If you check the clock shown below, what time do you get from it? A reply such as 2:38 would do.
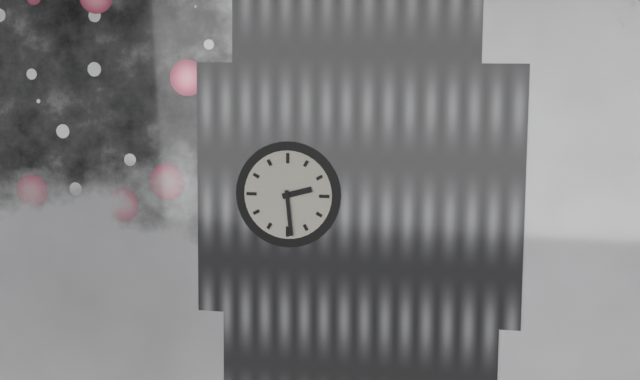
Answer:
2:29
